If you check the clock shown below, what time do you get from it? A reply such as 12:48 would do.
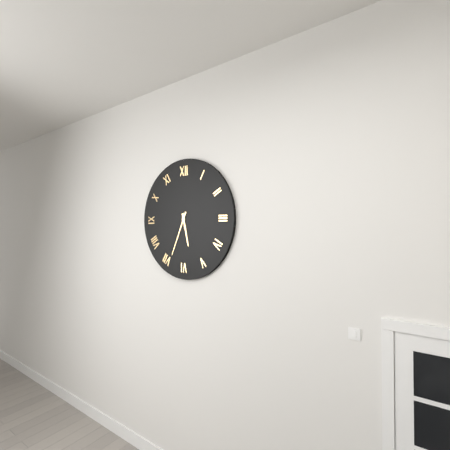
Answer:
5:34
